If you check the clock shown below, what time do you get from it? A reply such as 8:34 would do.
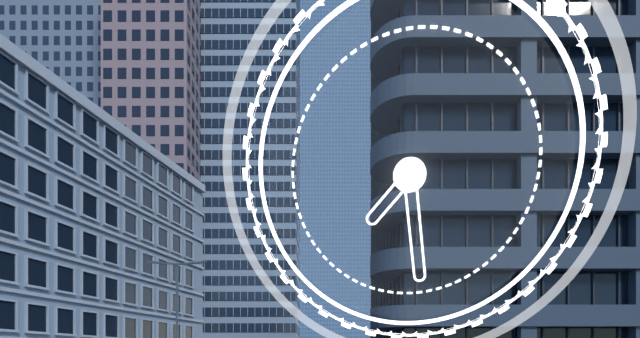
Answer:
7:29
